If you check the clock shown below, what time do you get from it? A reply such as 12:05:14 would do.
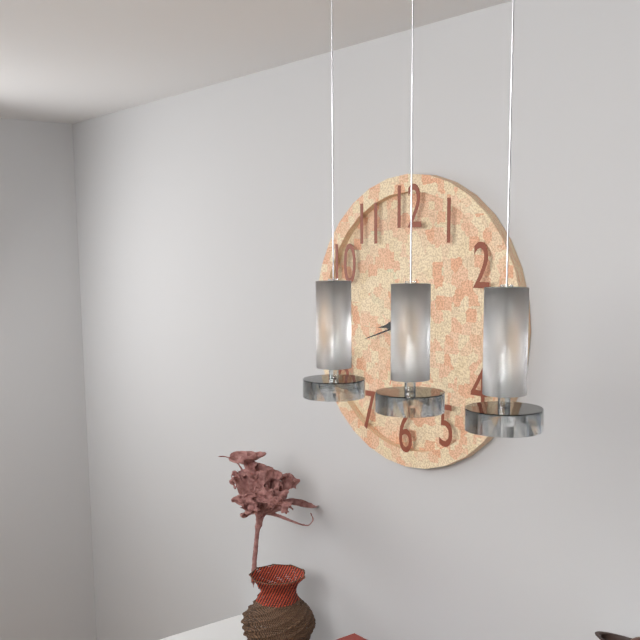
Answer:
8:42:33
